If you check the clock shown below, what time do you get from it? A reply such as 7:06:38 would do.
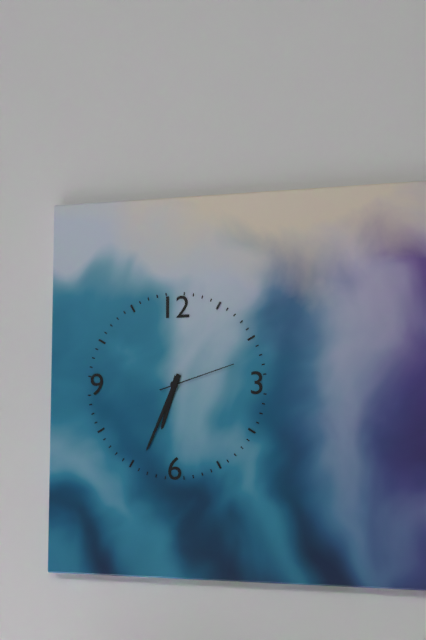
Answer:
6:34:12
